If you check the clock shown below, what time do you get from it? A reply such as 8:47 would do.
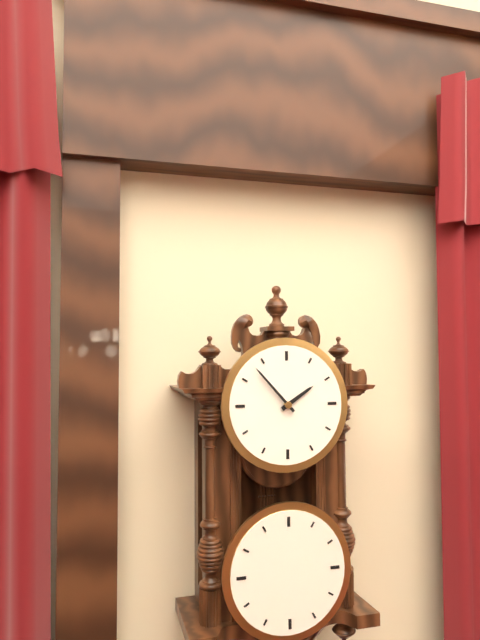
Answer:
1:53
